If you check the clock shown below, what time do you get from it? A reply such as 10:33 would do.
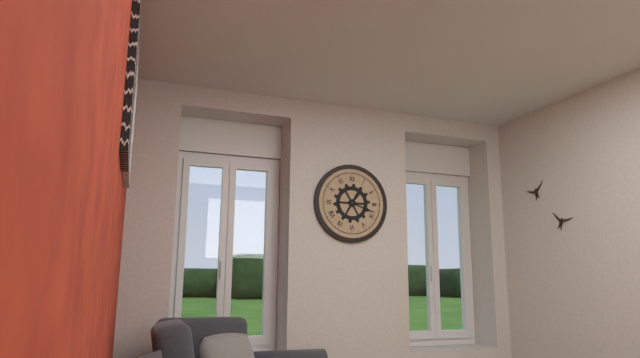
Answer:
1:18
